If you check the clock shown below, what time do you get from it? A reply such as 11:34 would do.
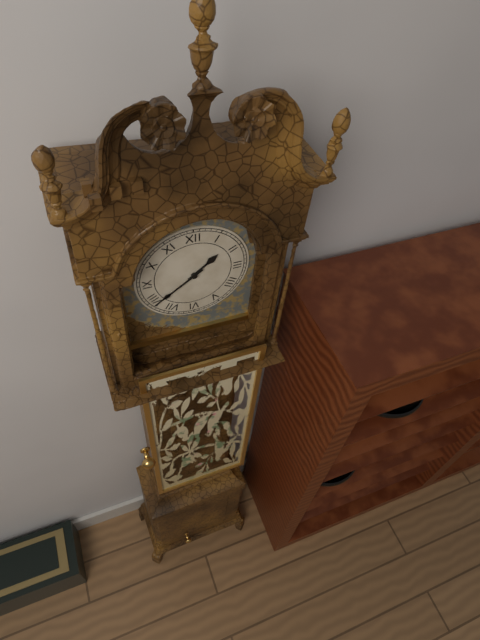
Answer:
1:39
